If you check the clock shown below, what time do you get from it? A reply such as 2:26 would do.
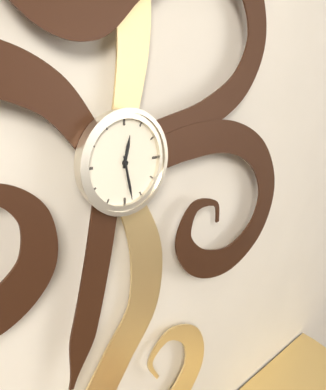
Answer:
12:28
